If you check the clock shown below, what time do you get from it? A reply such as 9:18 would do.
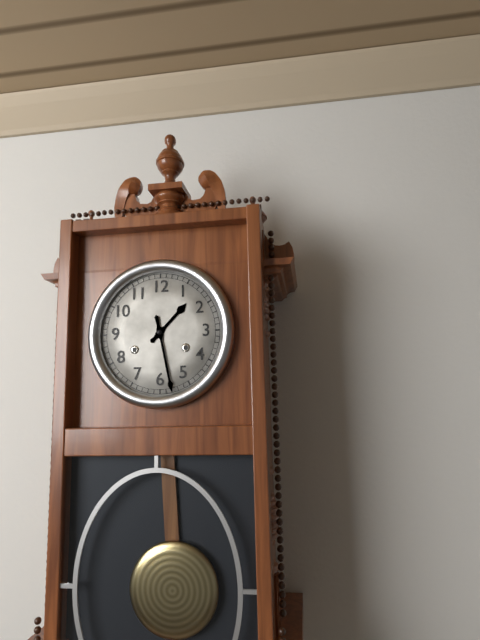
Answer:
1:28
